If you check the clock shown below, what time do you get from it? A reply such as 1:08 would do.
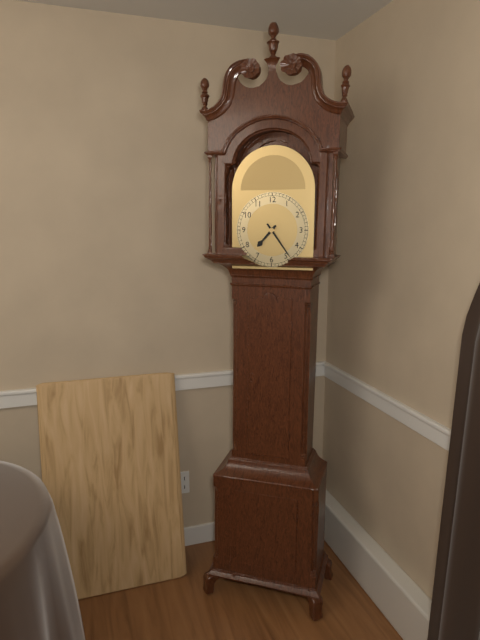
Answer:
7:24
